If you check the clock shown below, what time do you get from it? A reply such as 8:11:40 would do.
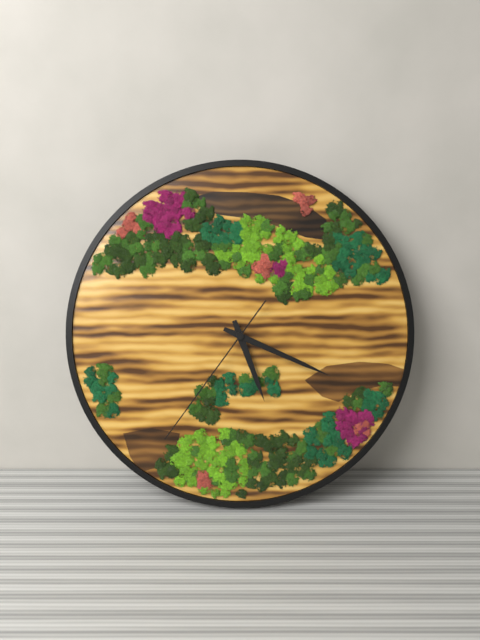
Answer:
5:19:36
